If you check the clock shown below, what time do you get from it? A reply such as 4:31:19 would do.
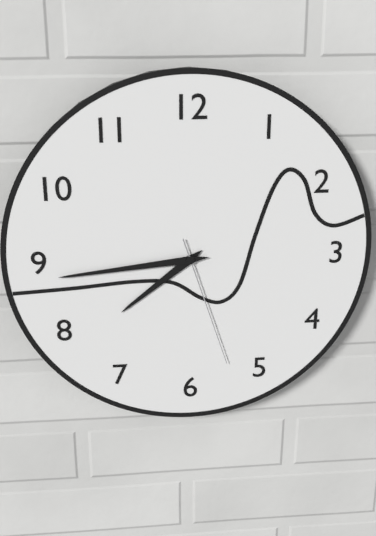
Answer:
7:44:27
